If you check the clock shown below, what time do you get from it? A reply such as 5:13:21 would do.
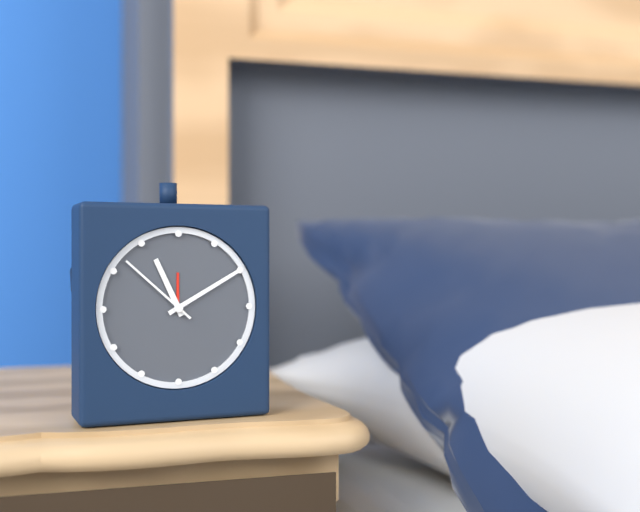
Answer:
11:10:52
